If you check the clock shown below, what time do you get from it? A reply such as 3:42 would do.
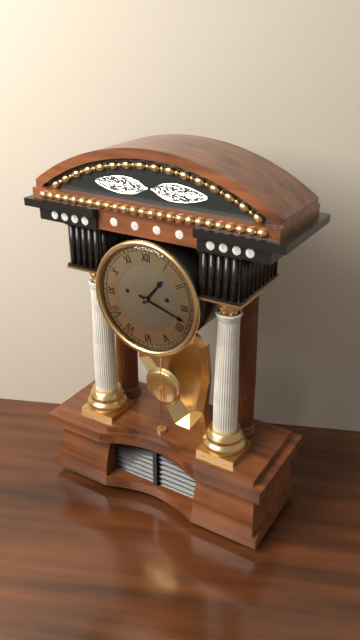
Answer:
1:18
